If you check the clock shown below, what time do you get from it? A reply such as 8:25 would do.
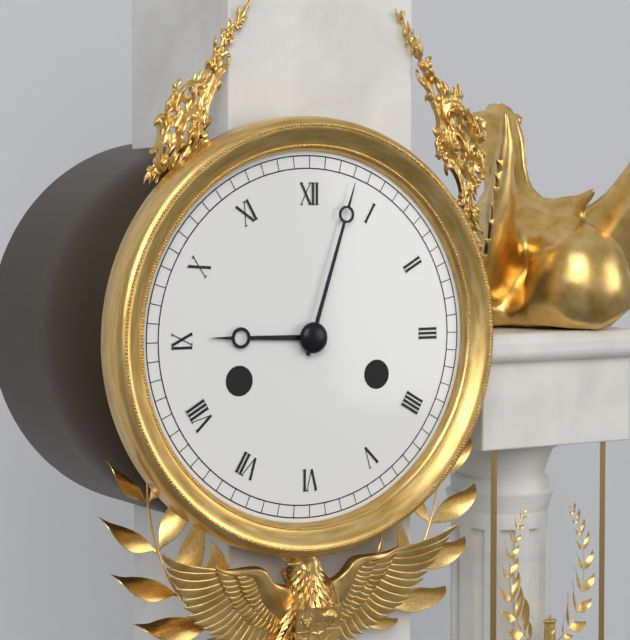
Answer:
9:03
